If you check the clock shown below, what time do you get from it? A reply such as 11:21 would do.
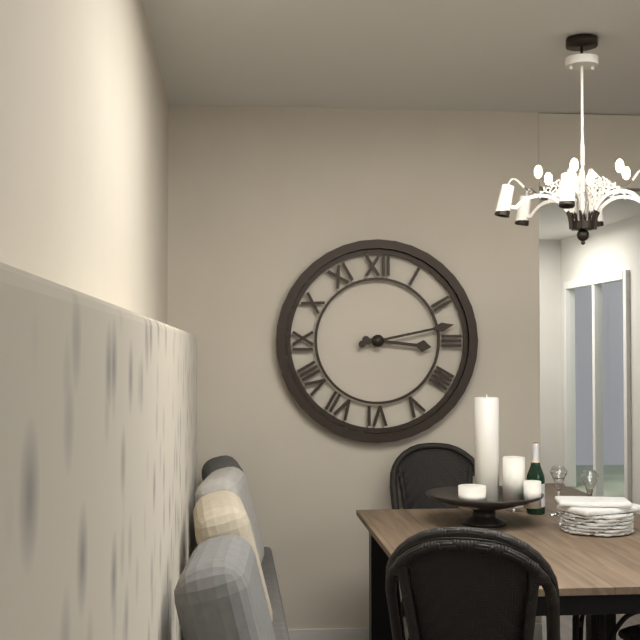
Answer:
3:13
